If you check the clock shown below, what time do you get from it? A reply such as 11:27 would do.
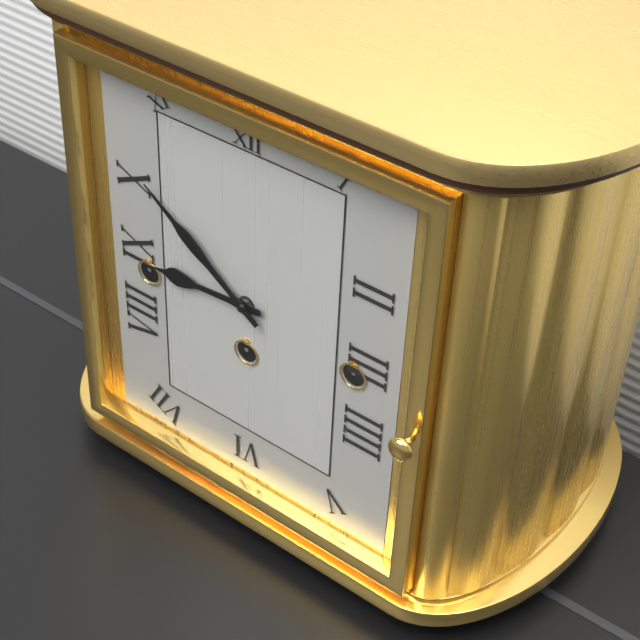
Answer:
8:51
